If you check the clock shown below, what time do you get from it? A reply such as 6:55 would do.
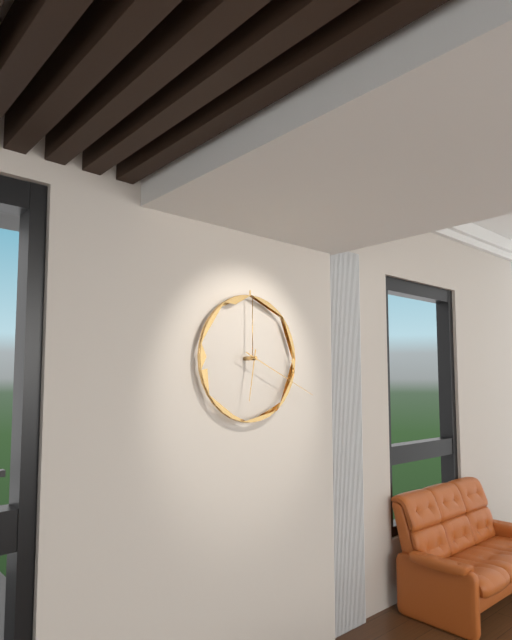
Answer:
6:19
